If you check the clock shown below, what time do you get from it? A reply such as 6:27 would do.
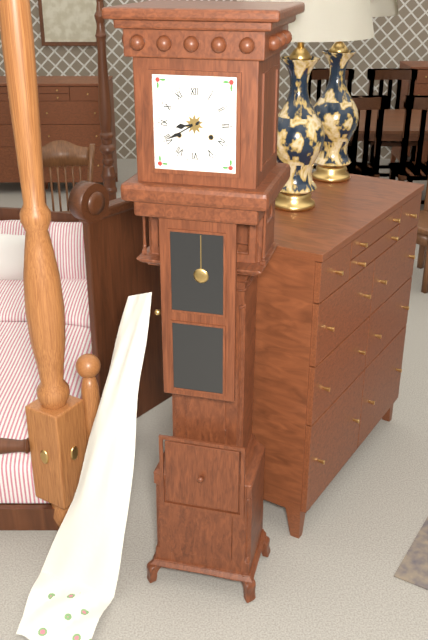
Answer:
8:40
